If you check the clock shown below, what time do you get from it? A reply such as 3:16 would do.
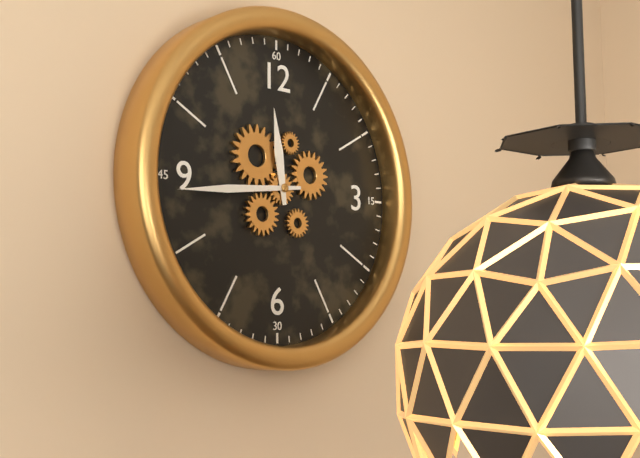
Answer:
11:44
